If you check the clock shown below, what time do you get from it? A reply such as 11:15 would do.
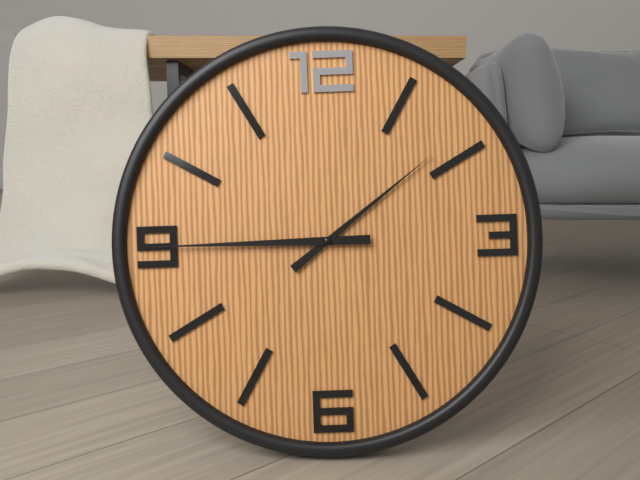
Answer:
1:45
